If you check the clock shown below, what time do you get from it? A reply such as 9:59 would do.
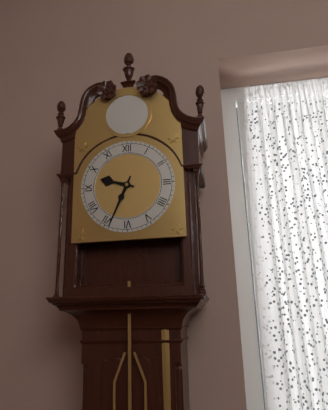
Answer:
9:34
